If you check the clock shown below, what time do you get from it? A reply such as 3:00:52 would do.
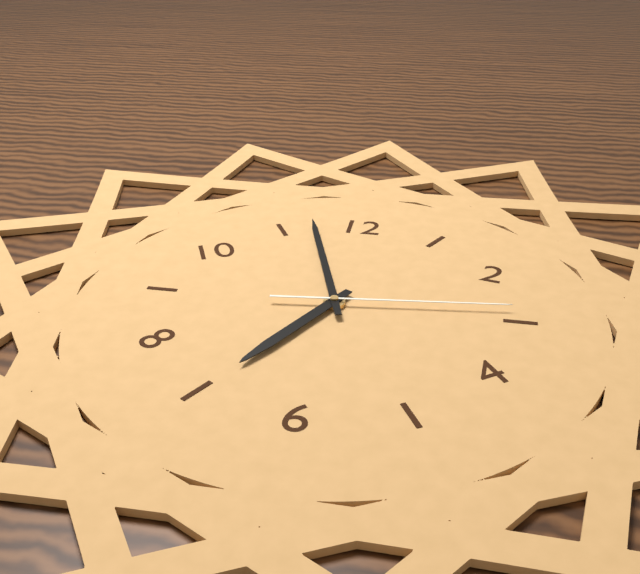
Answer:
6:57:14
